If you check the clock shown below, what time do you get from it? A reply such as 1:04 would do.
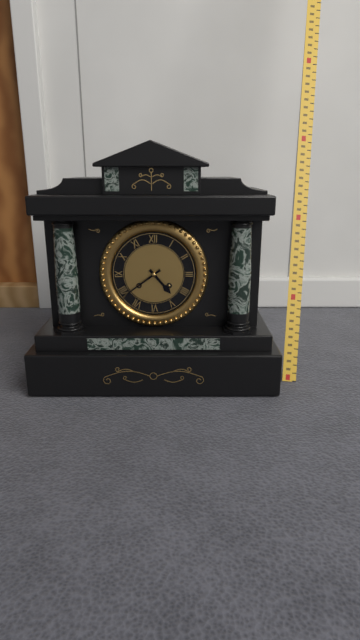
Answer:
4:39
